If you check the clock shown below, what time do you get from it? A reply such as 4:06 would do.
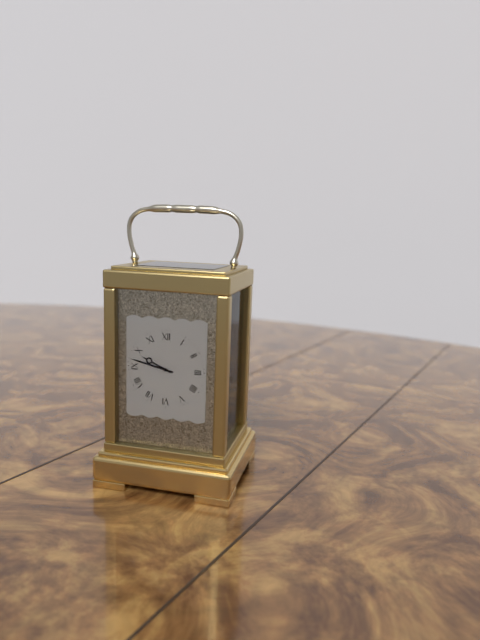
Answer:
9:47
